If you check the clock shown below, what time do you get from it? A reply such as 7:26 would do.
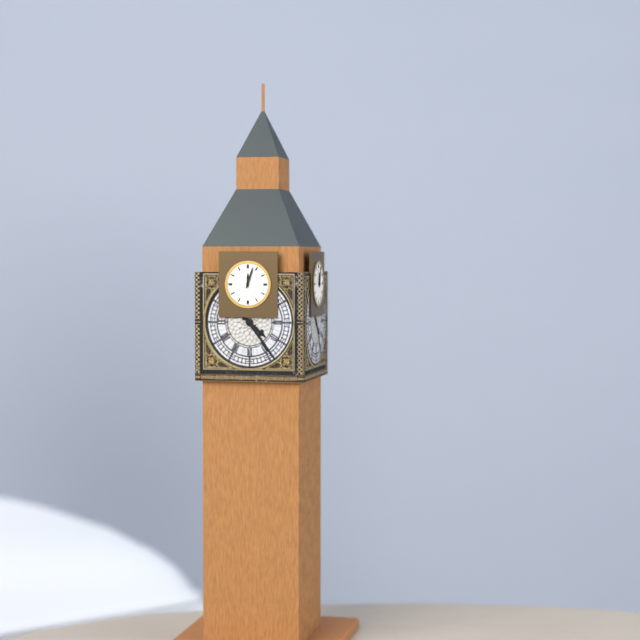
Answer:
12:03
